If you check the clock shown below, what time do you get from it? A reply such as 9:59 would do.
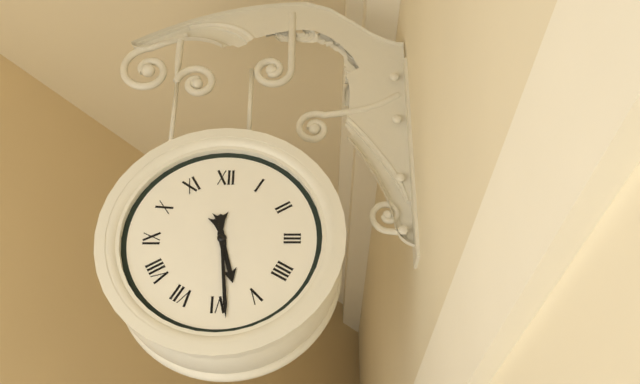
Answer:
5:29
